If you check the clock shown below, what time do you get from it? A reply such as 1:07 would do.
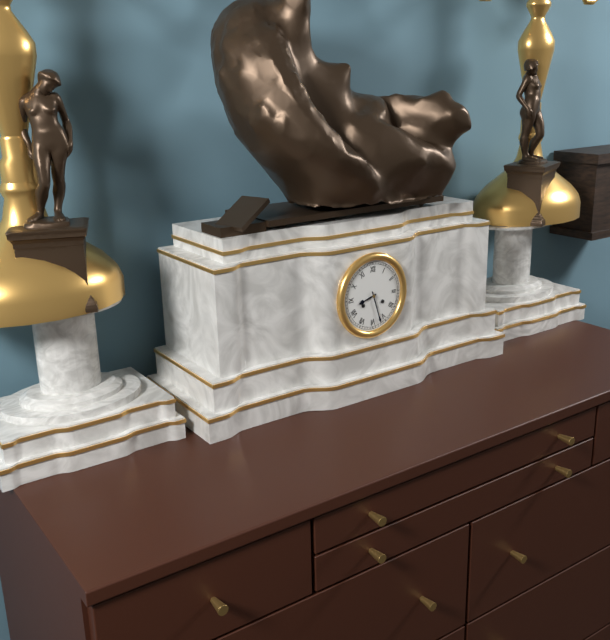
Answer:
8:27
